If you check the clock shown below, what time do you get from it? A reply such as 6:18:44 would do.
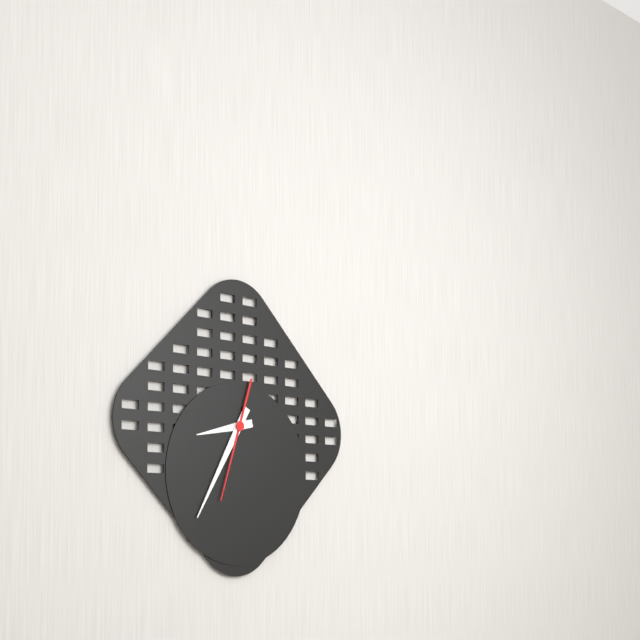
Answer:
8:35:33
